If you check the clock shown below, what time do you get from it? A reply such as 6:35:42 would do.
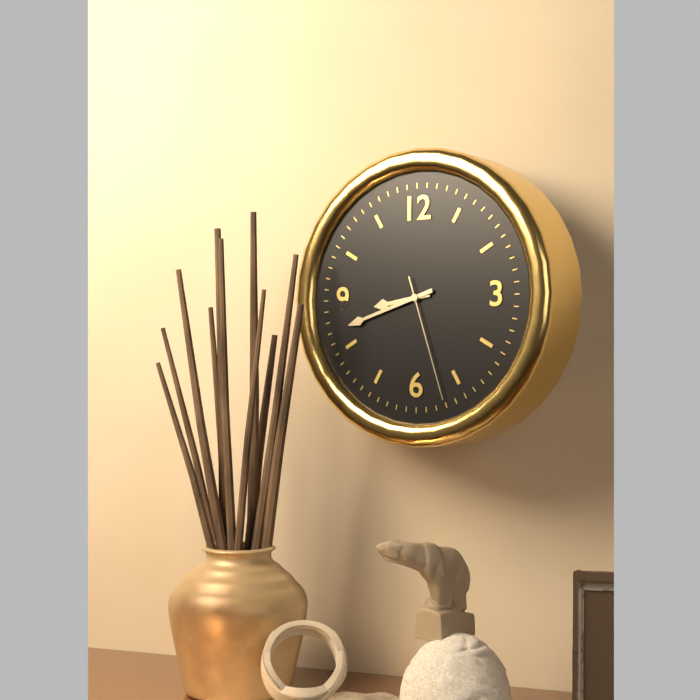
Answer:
8:42:27
